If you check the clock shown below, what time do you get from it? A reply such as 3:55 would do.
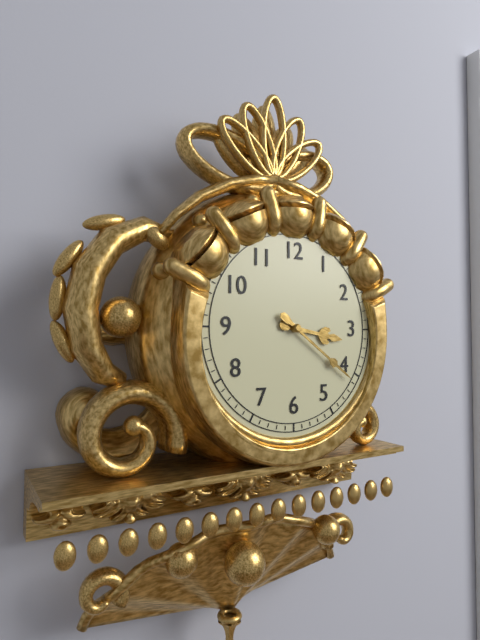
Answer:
3:21
